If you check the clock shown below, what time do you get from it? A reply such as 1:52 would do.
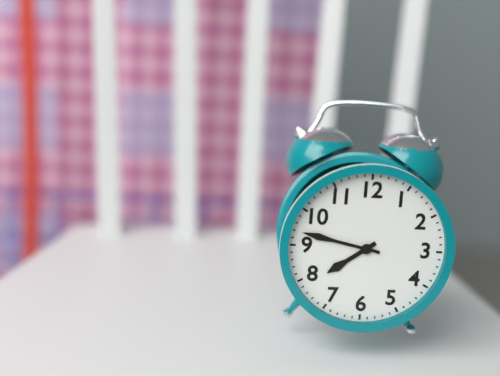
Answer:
7:47
